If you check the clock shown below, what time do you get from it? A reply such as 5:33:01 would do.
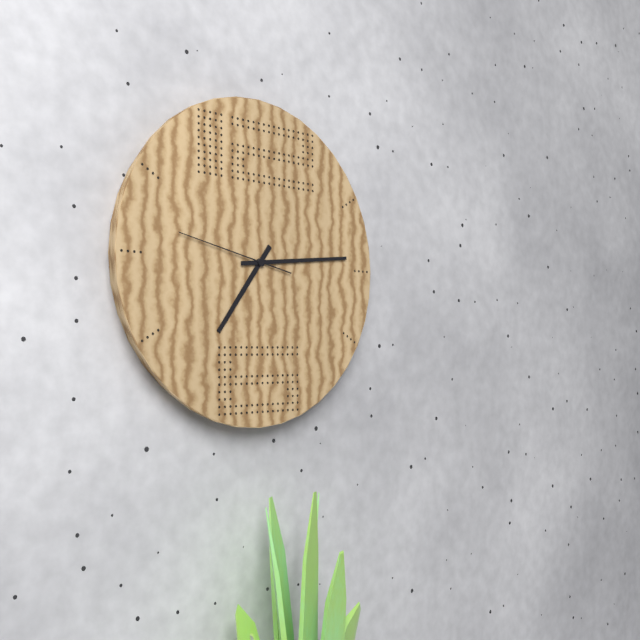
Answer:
7:14:47
